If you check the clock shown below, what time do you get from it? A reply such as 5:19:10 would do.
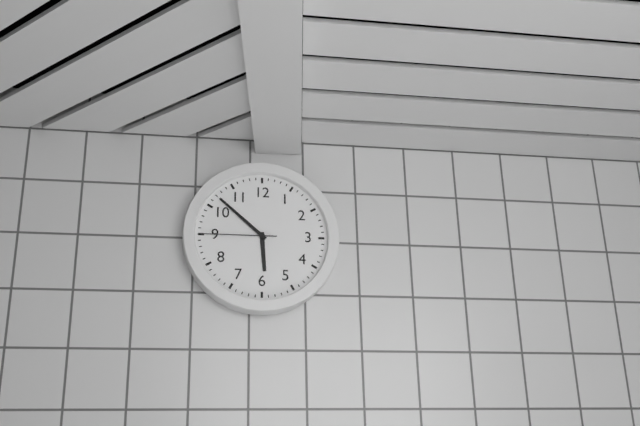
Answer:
5:52:45
